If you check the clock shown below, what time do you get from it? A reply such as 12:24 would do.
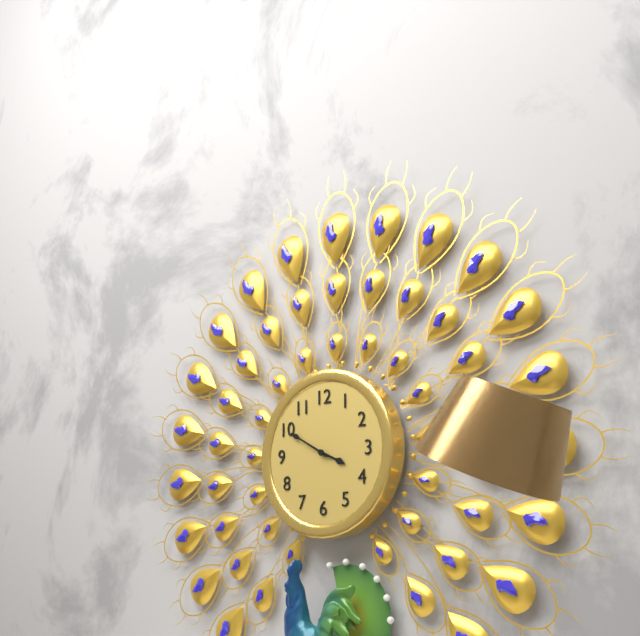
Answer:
3:50
